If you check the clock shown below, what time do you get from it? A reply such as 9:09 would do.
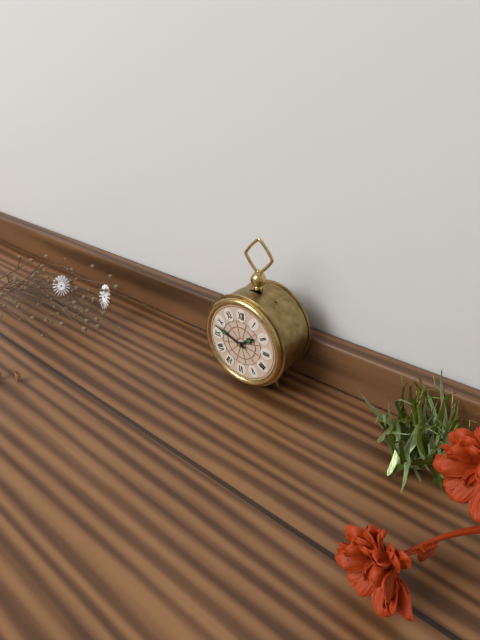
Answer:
1:48
